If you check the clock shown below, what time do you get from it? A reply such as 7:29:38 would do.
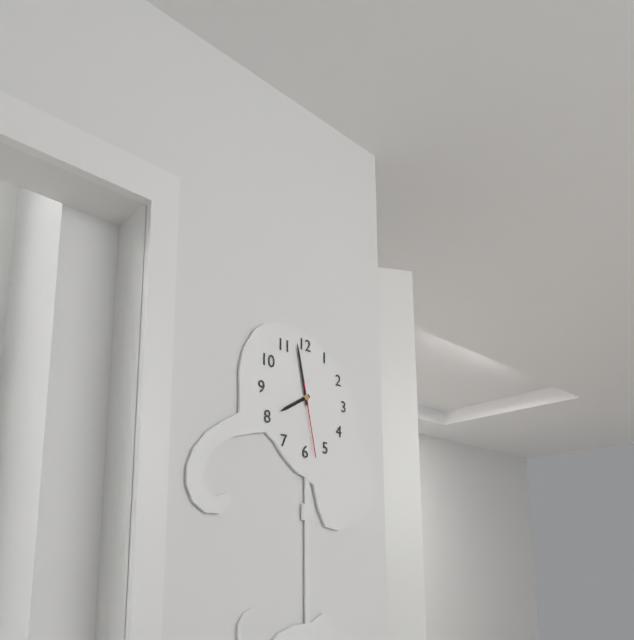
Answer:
7:58:28
